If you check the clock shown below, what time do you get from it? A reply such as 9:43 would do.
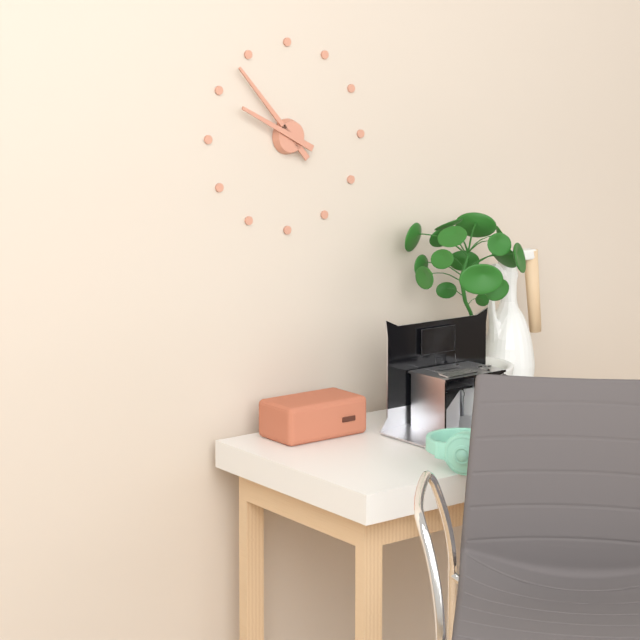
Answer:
9:53
